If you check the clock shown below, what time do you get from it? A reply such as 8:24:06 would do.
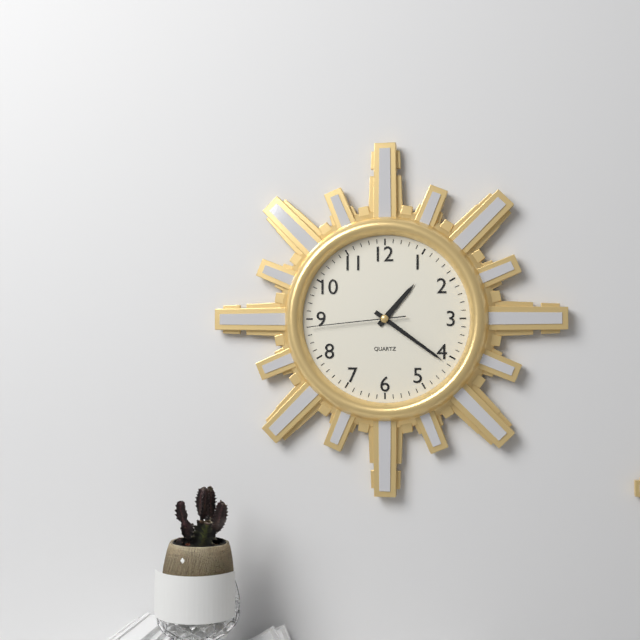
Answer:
1:21:44
